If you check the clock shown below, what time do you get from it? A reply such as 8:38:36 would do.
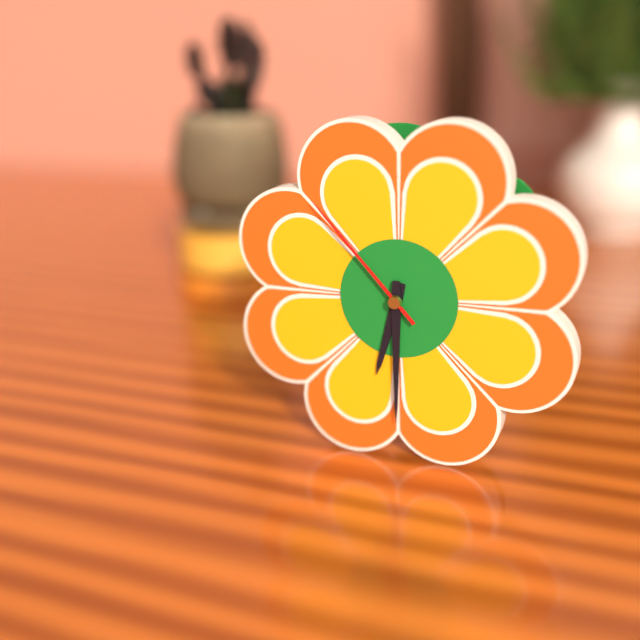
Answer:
6:30:53
